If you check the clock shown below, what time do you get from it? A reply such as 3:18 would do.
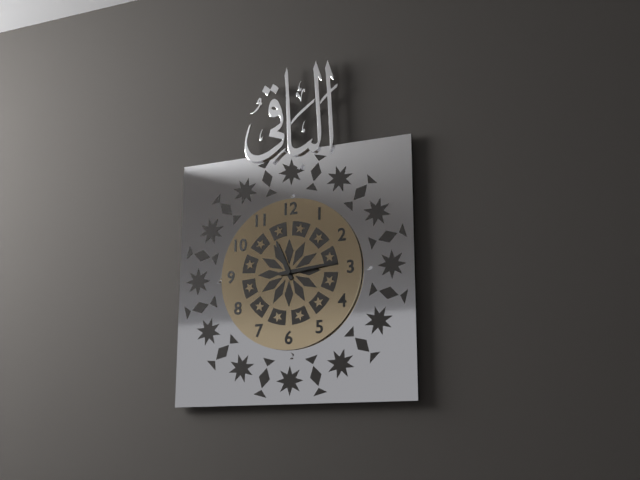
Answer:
11:14
